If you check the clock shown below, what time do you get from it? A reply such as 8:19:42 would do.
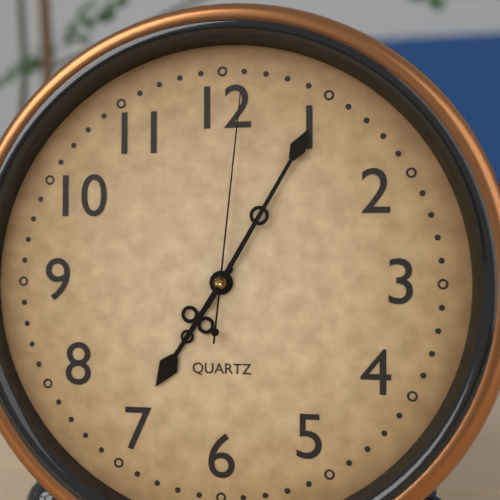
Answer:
7:05:01
